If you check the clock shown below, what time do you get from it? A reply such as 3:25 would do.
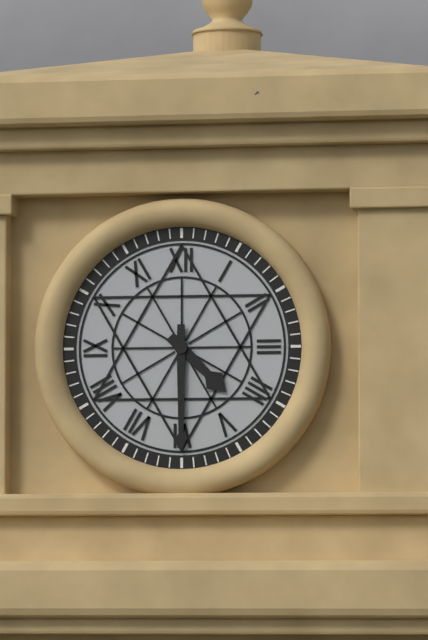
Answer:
4:30
